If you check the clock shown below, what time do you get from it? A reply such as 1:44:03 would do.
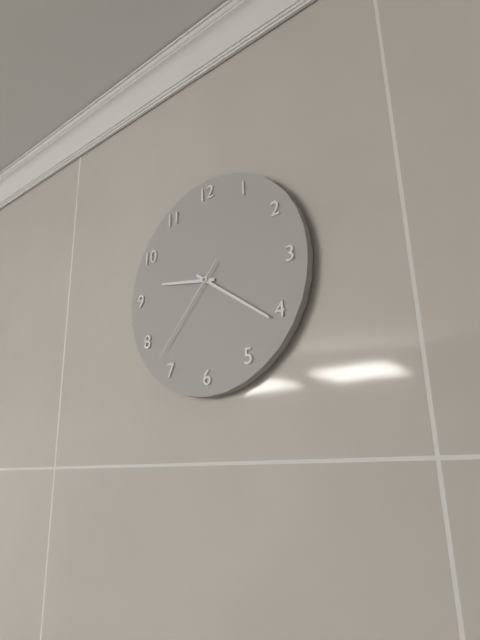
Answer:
9:21:37
